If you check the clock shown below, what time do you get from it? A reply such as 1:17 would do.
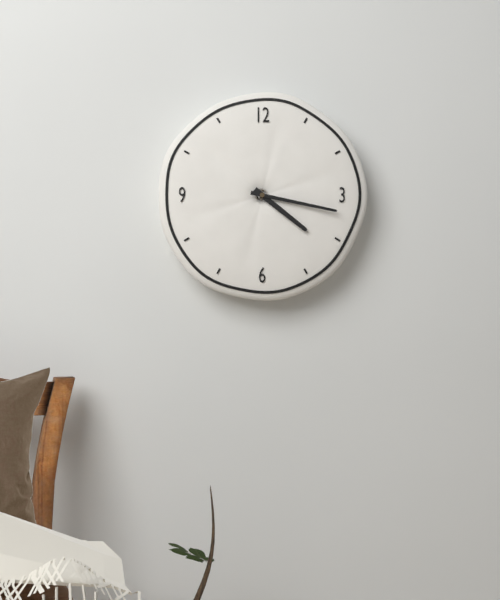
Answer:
4:17
